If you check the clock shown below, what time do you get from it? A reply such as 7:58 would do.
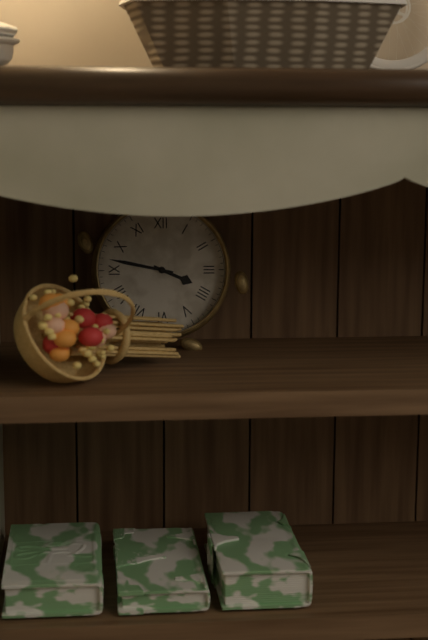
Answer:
3:47
